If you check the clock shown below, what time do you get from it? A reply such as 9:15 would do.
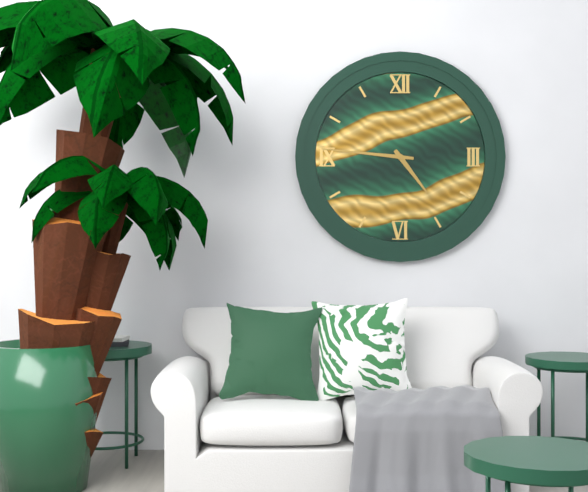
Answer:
4:46
